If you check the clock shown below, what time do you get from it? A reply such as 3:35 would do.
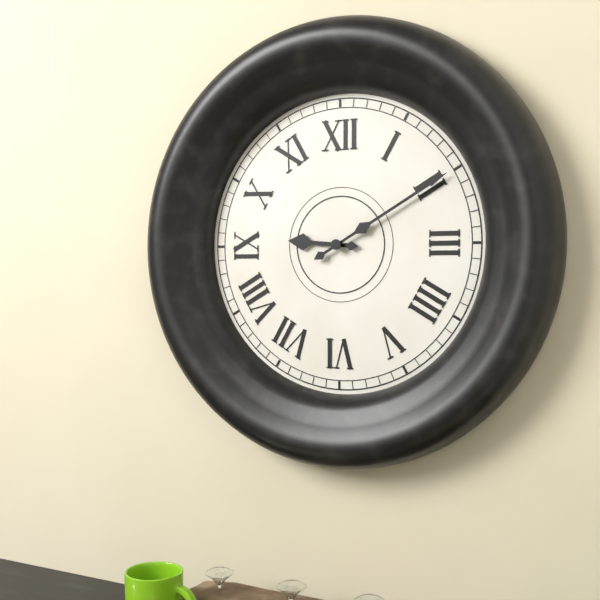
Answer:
9:10
